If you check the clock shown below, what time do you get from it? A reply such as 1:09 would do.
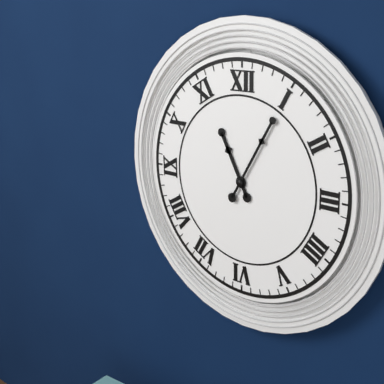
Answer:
11:05
